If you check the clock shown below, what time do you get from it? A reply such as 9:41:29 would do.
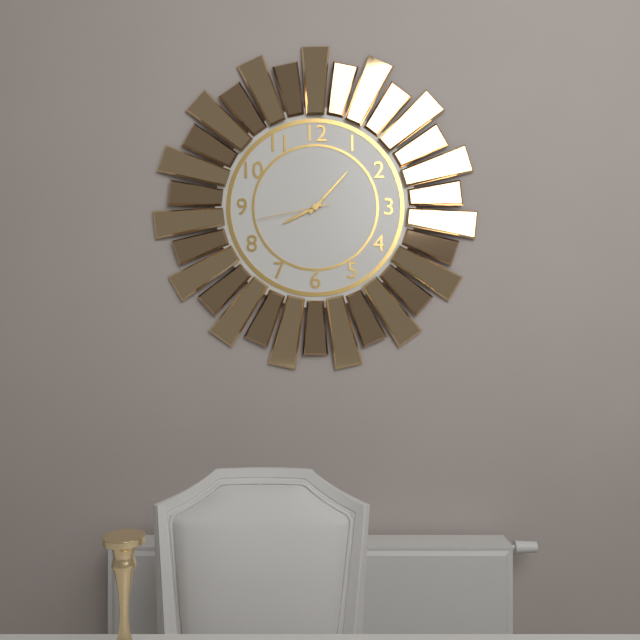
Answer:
8:07:43
